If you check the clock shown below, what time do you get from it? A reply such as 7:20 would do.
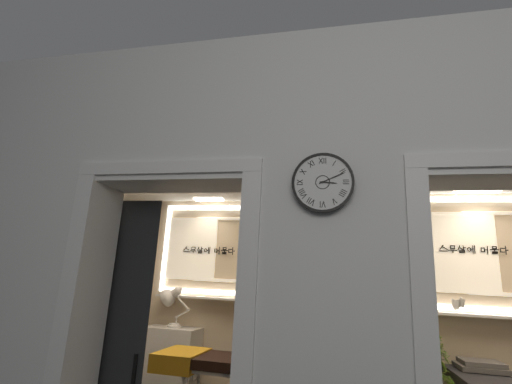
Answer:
3:11
